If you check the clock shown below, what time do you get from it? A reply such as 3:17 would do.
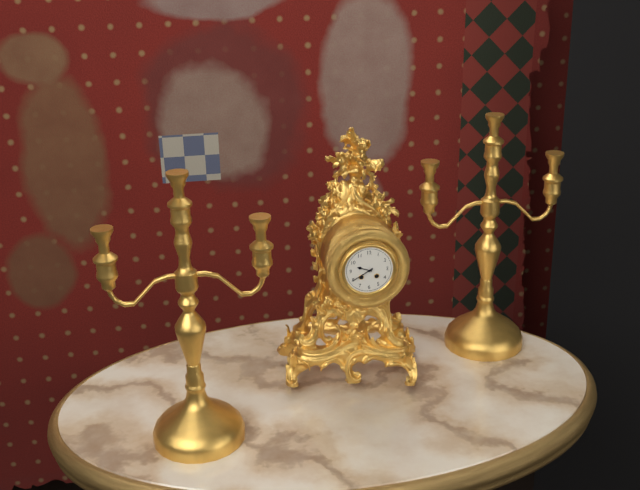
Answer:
9:40
